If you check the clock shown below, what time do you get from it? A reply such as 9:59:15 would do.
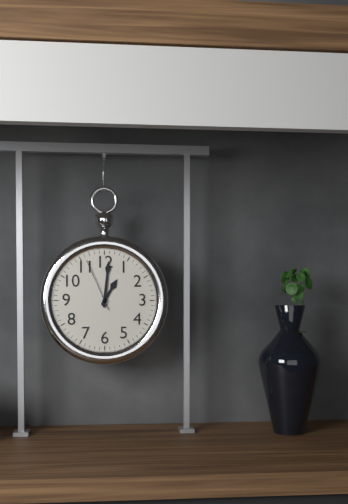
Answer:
1:01:56
